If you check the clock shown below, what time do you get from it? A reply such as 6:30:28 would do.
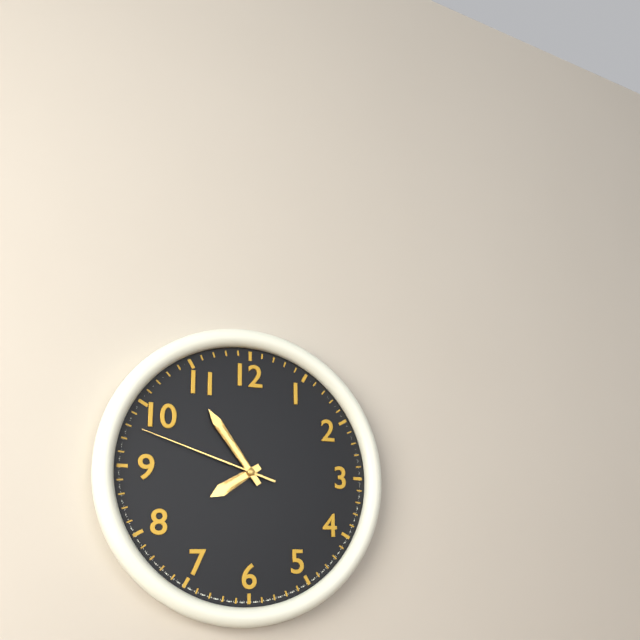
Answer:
7:54:48
